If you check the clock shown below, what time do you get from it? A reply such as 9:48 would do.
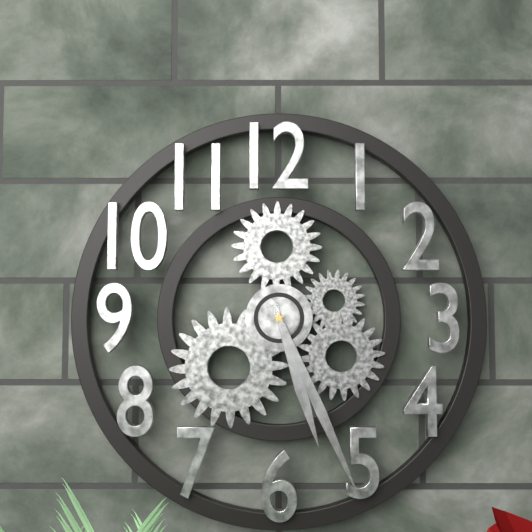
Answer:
5:26
